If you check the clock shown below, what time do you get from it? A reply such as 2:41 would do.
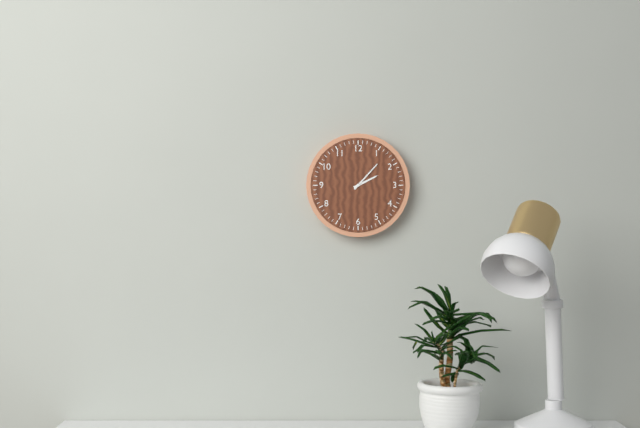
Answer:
2:07
